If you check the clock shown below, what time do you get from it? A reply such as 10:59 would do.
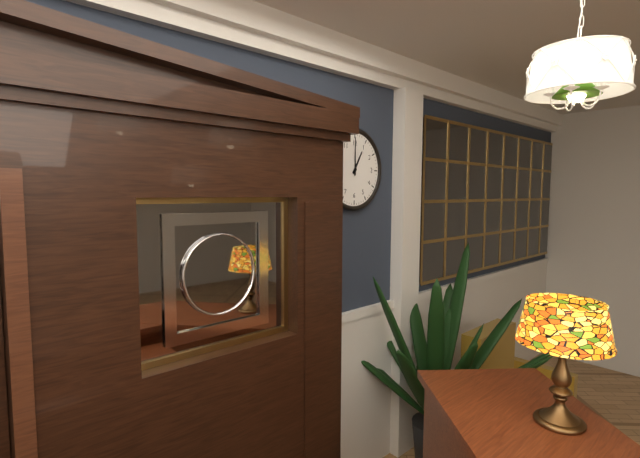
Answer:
1:00
